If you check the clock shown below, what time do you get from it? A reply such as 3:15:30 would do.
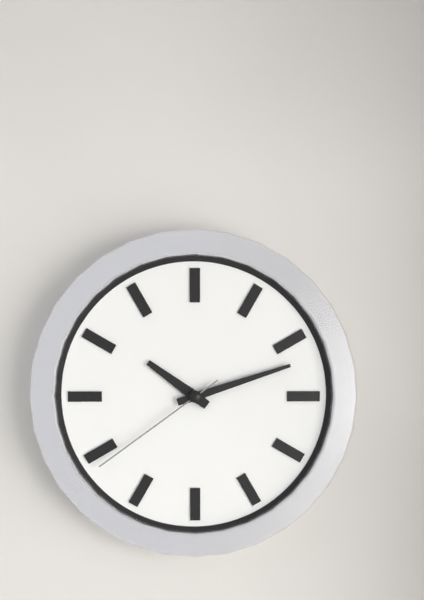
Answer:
10:12:39
